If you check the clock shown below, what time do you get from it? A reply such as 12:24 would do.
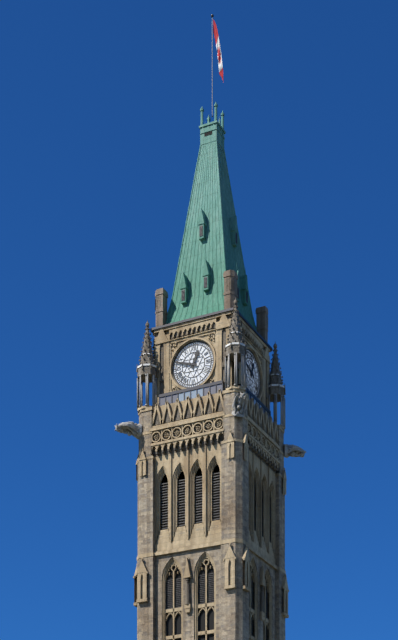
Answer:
12:48
